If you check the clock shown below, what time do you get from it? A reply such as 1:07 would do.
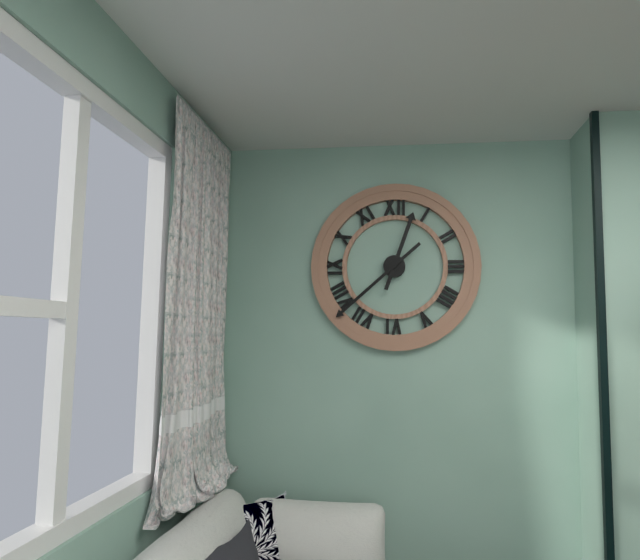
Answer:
12:38
